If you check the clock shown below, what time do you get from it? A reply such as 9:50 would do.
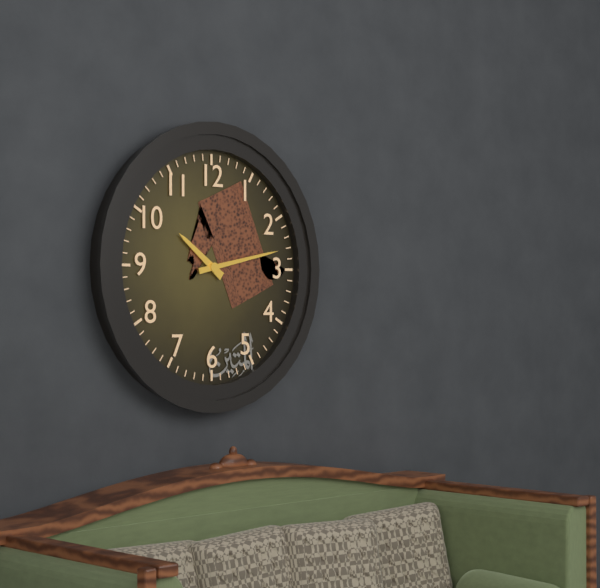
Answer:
10:13
